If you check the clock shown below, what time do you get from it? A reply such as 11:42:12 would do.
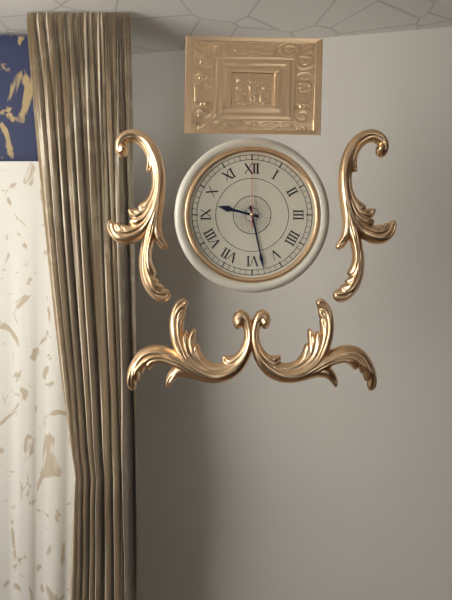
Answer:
9:28:00
